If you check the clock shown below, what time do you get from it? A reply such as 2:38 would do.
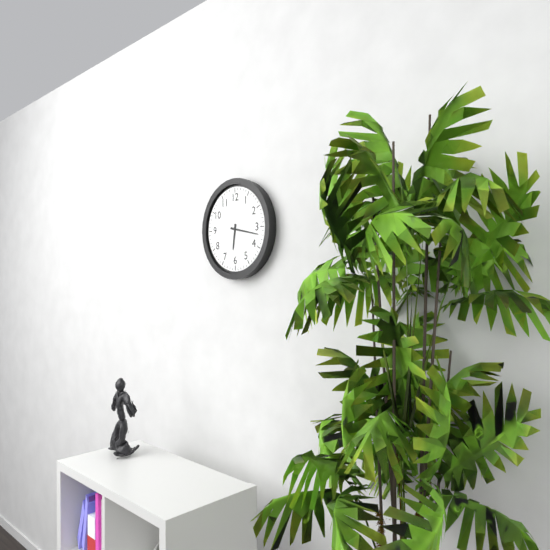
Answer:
6:17
